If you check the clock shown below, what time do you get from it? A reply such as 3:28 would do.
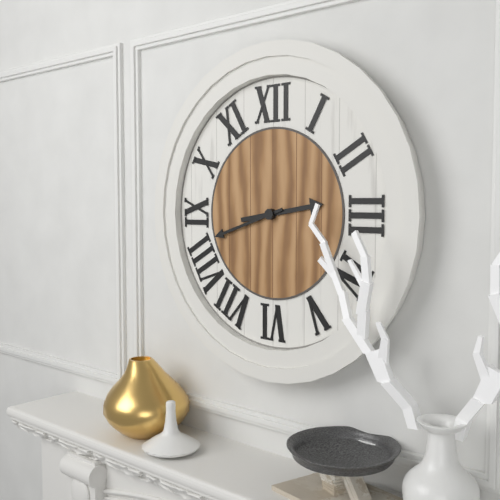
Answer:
2:42
